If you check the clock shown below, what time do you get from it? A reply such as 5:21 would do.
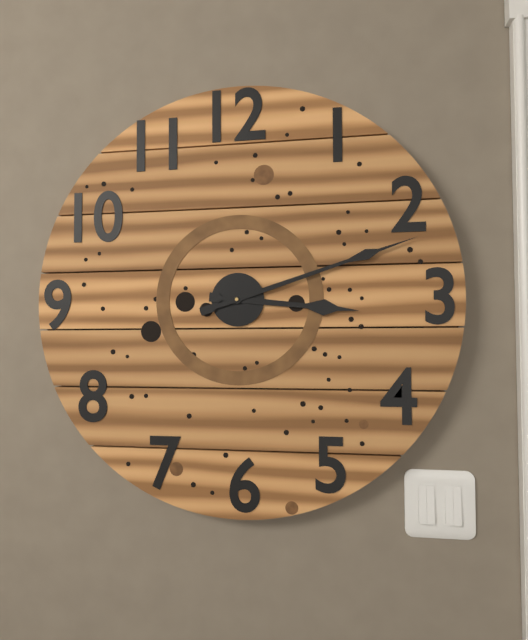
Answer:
3:12
